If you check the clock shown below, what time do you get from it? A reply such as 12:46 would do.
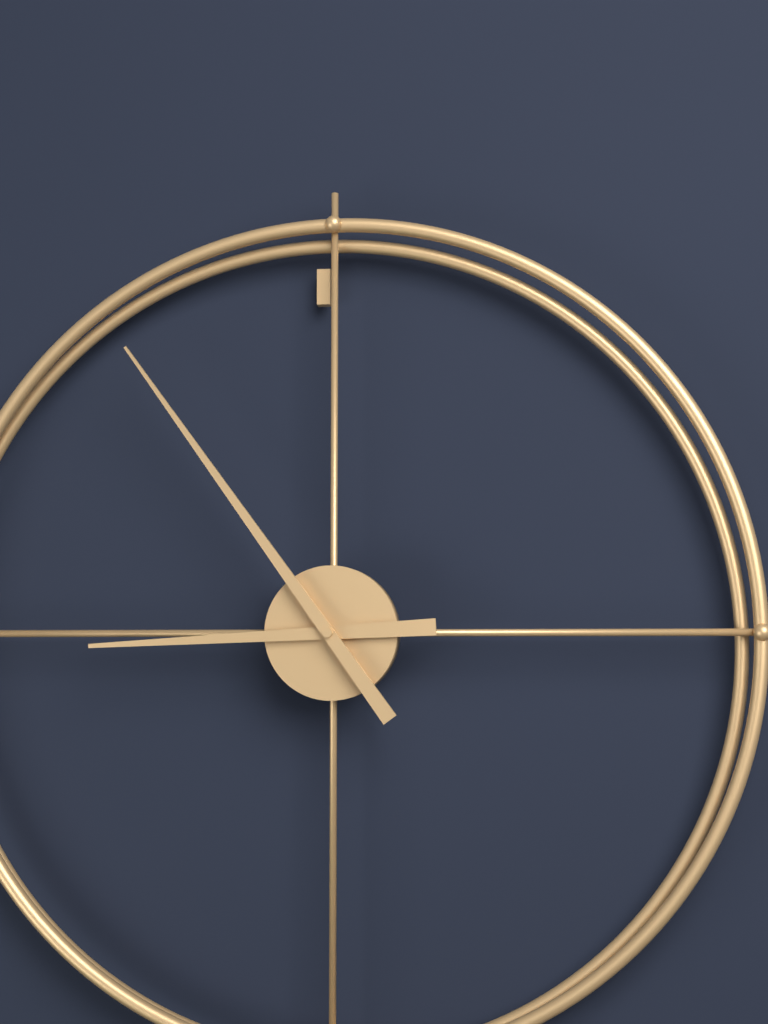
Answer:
8:54
